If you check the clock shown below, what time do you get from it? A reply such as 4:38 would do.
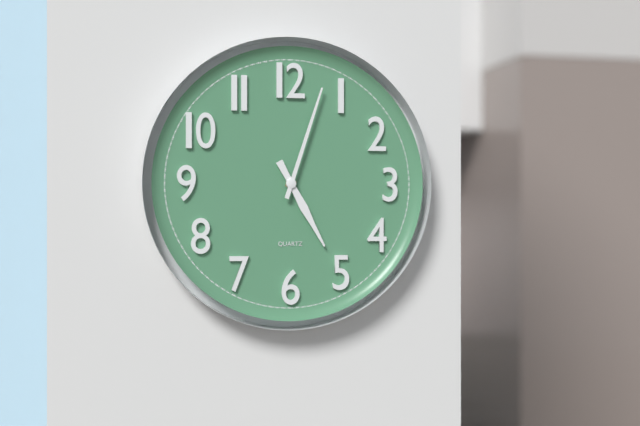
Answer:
5:03
